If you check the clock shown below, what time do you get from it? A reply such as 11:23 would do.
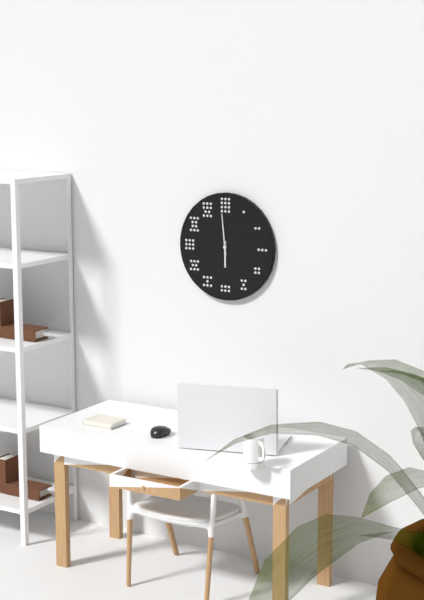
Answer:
5:59
